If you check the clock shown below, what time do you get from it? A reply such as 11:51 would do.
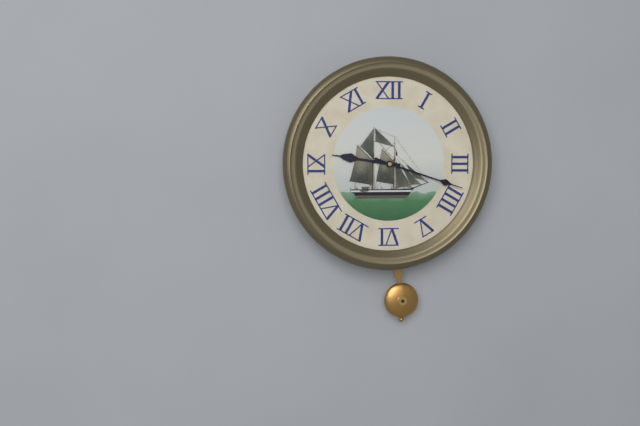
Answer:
9:18
